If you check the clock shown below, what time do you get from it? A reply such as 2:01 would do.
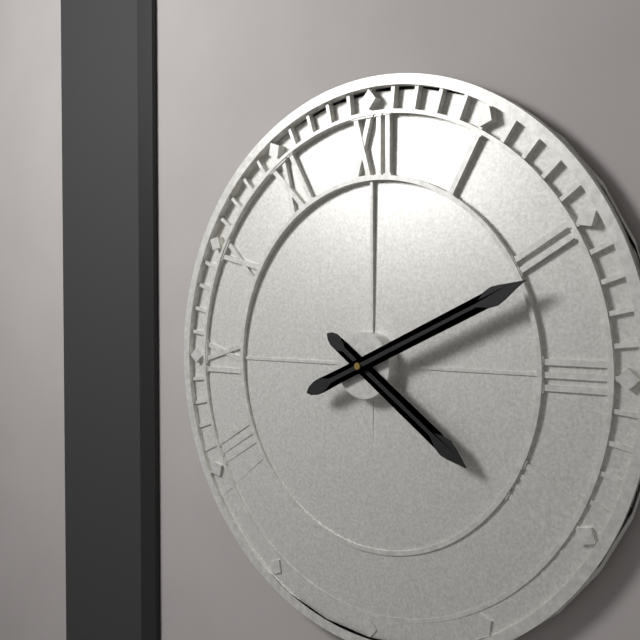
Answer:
4:11
